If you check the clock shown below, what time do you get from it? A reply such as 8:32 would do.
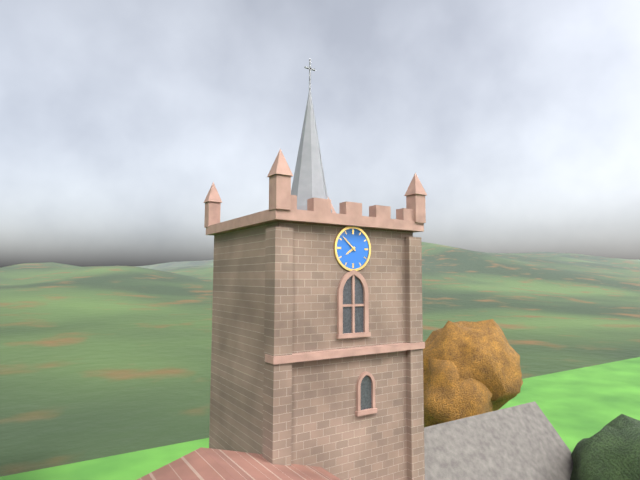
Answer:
7:52
